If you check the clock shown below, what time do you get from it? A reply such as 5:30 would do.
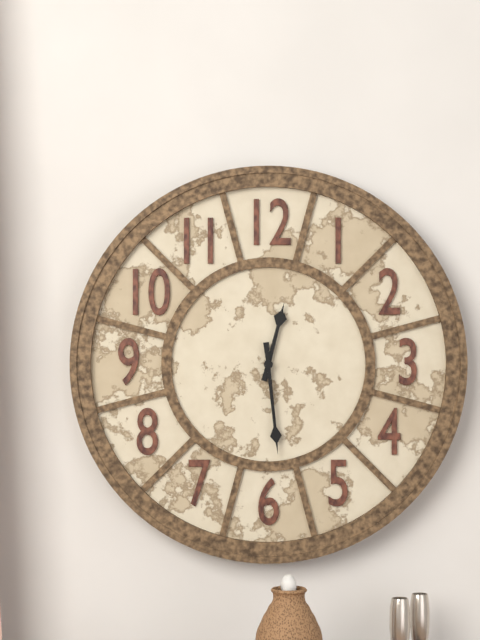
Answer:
12:29
